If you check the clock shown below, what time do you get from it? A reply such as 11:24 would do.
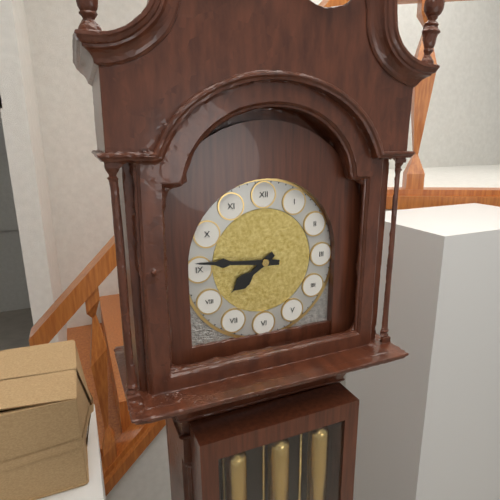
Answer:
7:46
